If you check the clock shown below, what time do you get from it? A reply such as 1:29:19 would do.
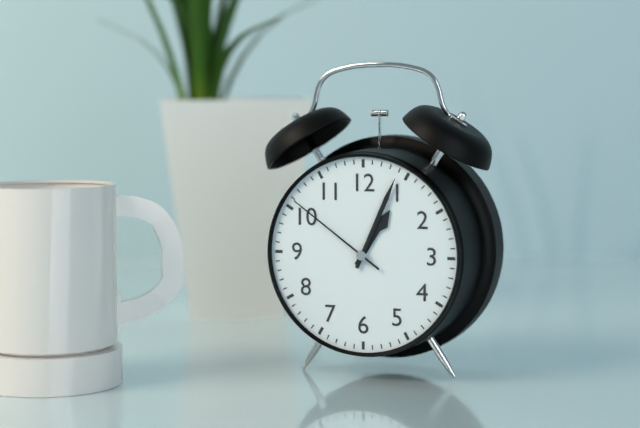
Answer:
1:04:51
